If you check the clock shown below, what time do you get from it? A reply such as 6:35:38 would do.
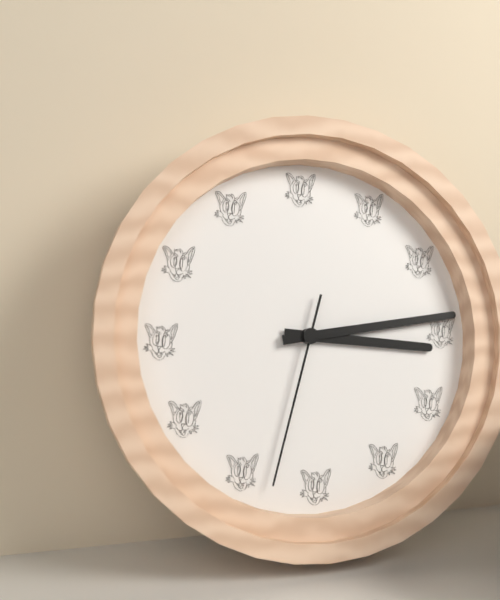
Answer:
3:14:33
